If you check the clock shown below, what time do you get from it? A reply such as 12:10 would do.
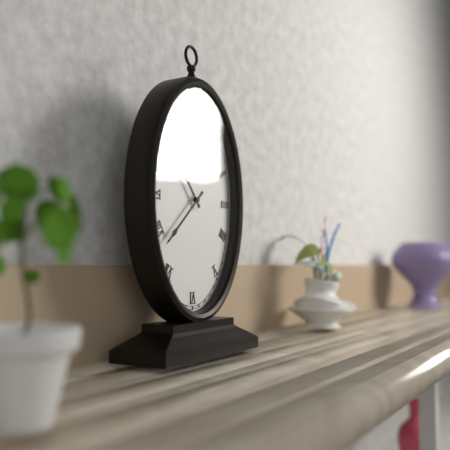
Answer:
10:38
